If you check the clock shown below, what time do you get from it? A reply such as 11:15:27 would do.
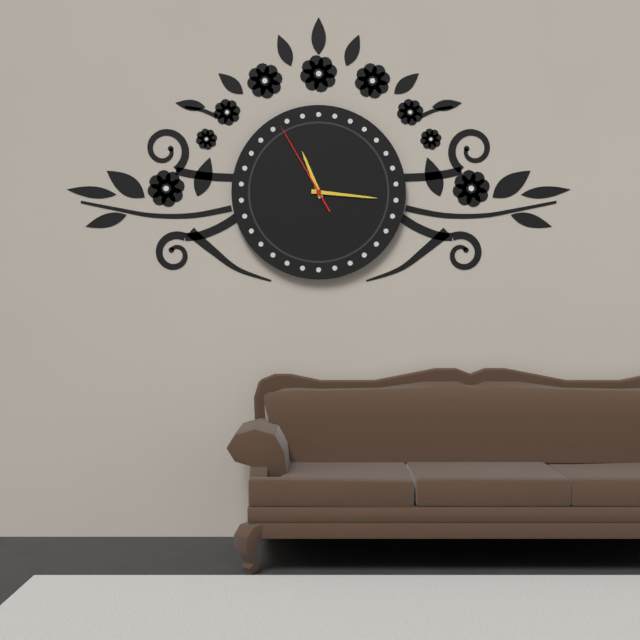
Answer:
11:16:55
